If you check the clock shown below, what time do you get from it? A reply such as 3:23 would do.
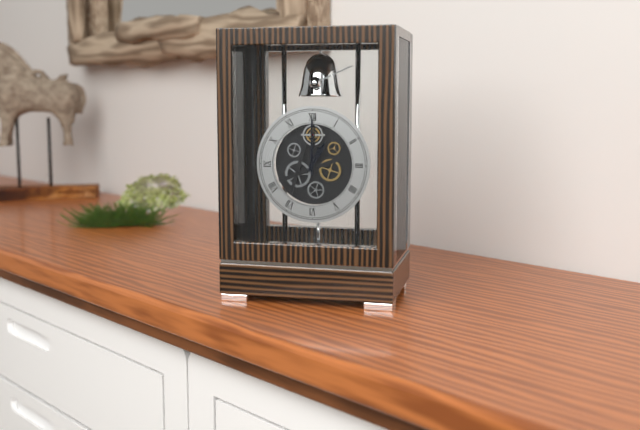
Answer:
1:00
